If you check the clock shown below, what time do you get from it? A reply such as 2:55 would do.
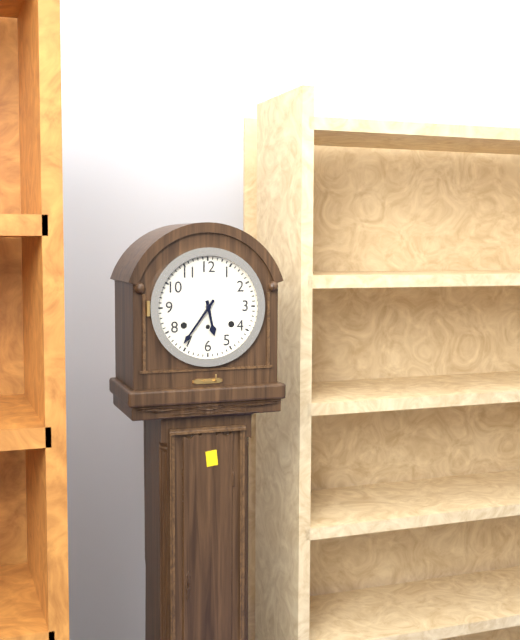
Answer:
5:36
